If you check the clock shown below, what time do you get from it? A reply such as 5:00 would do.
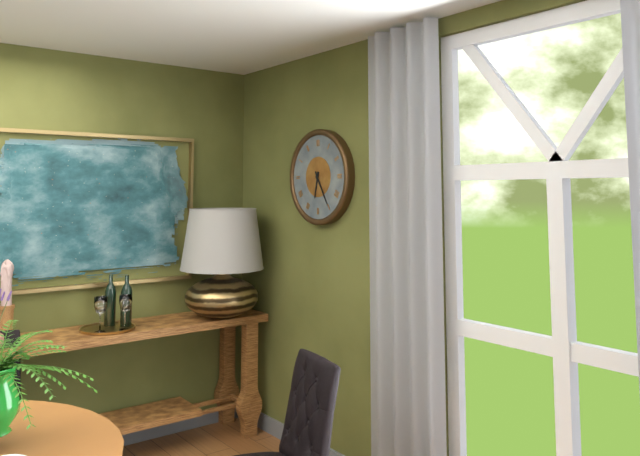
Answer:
6:25
